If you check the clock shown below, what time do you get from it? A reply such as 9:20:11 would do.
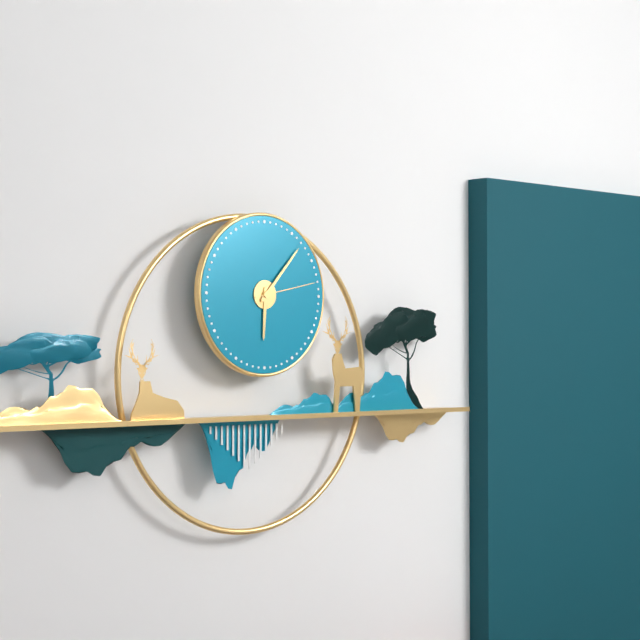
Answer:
6:07:13
